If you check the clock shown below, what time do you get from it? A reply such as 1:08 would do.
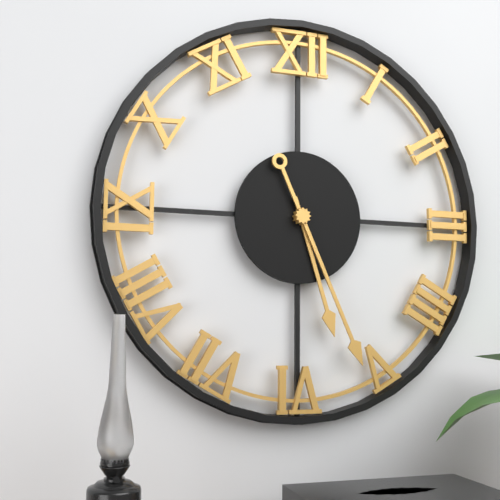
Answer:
5:26
